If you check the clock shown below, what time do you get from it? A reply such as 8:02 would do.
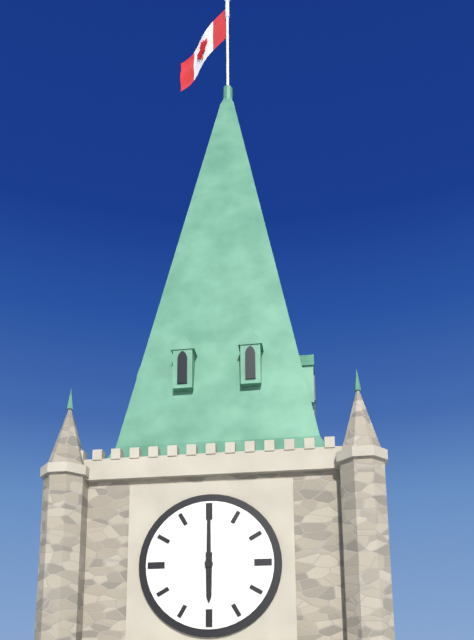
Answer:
6:00
